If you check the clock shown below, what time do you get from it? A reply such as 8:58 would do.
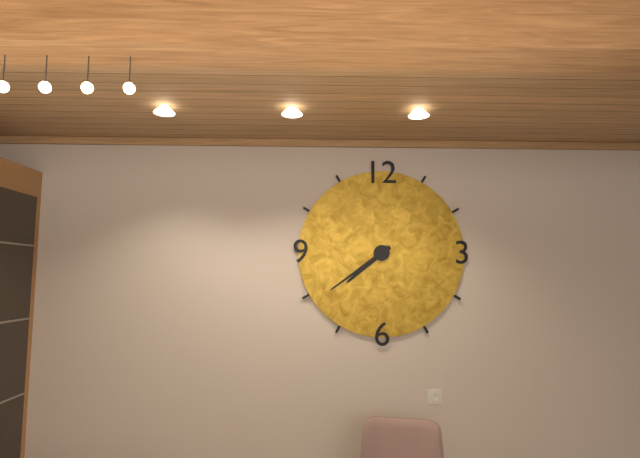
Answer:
7:39
